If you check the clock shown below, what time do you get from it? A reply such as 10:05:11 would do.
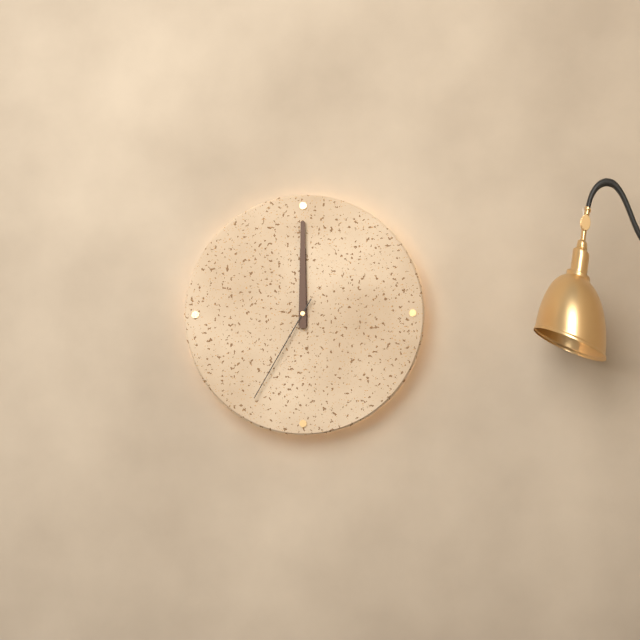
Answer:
12:00:35
